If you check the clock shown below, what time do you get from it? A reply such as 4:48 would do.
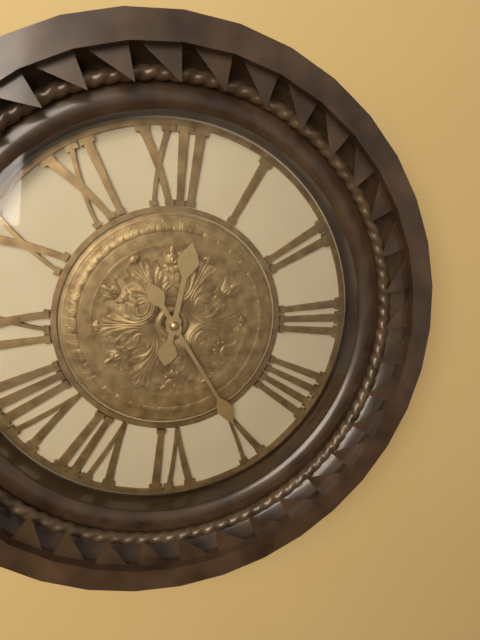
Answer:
12:25
